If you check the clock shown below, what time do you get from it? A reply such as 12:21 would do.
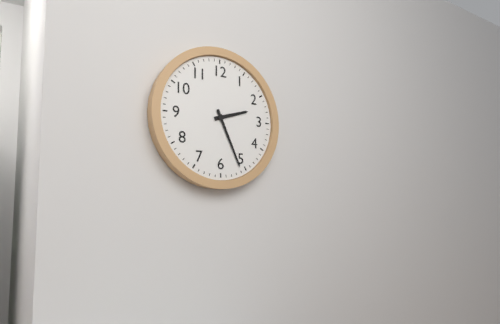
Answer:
2:26
